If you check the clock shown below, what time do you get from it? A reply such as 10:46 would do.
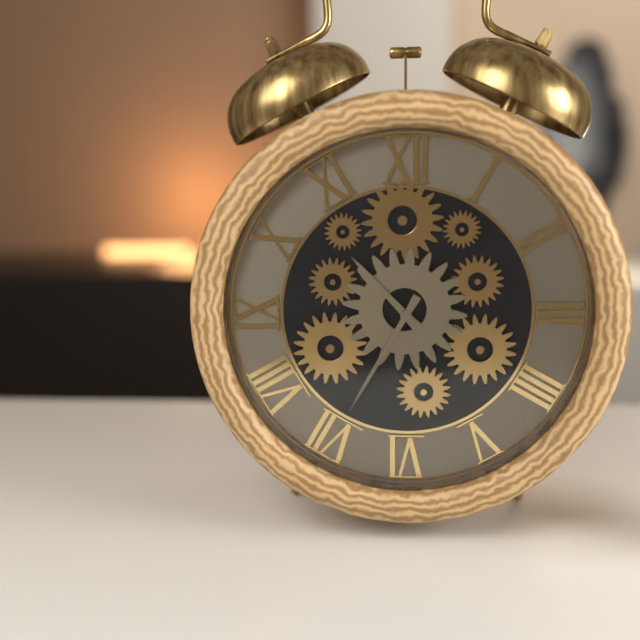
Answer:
10:35
